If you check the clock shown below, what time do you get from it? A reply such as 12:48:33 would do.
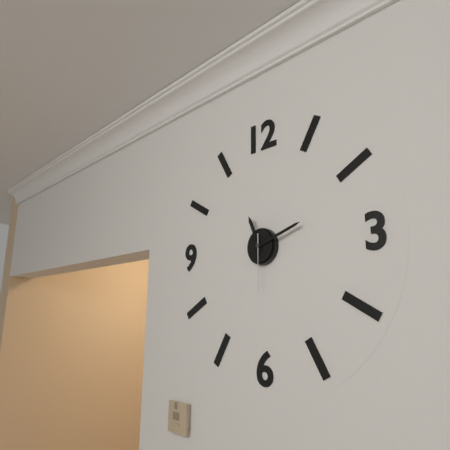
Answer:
11:12:30
